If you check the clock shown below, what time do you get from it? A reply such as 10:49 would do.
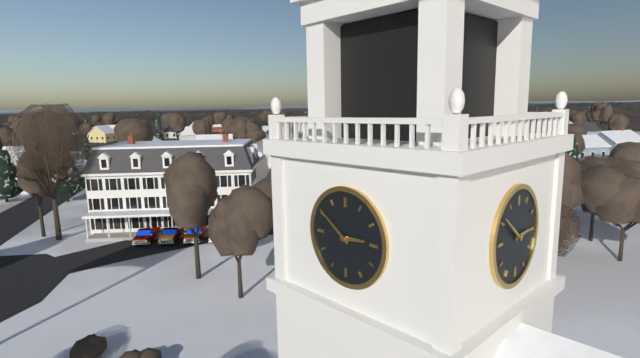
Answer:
2:51
